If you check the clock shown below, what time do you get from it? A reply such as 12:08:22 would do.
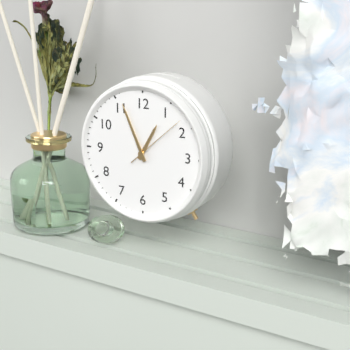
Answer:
12:56:08
